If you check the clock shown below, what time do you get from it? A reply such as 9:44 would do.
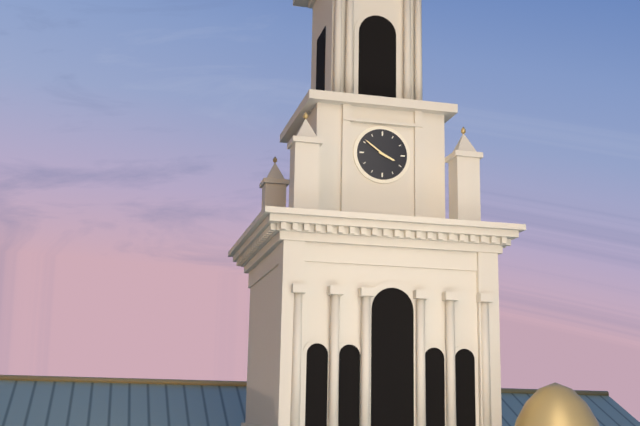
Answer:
3:51
